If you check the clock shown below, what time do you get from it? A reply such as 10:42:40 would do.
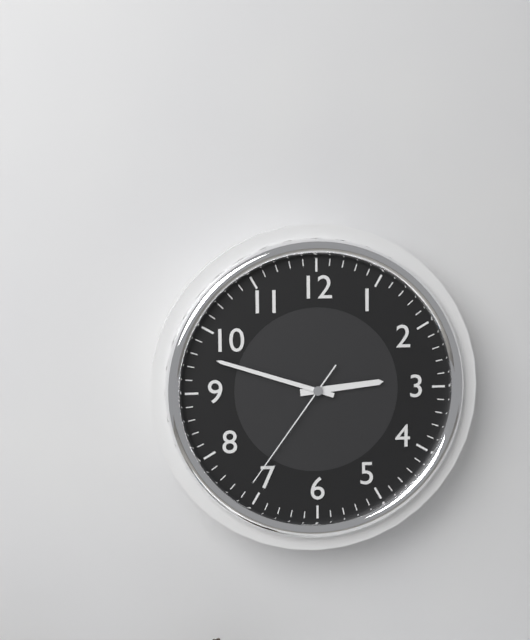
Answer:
2:48:36
